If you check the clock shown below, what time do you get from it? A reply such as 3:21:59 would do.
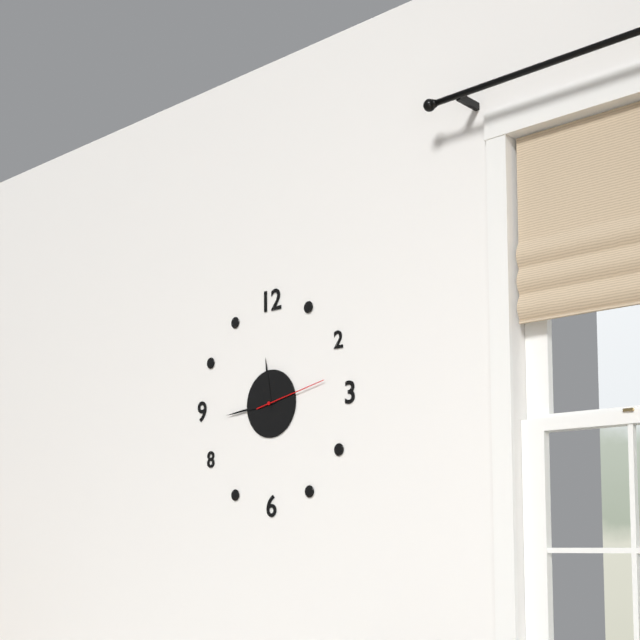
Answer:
11:44:13
